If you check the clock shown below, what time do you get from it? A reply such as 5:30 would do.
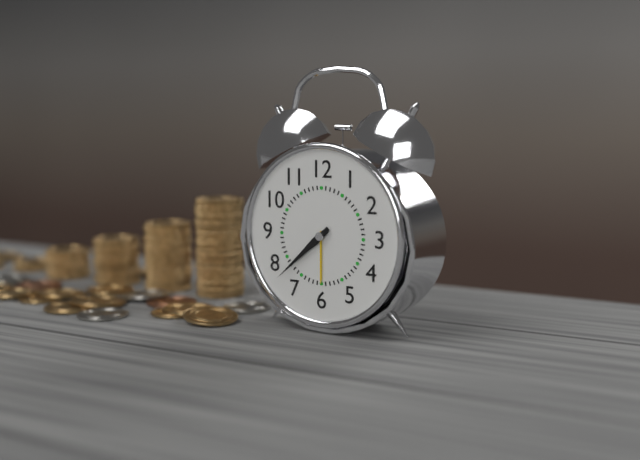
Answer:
7:38
